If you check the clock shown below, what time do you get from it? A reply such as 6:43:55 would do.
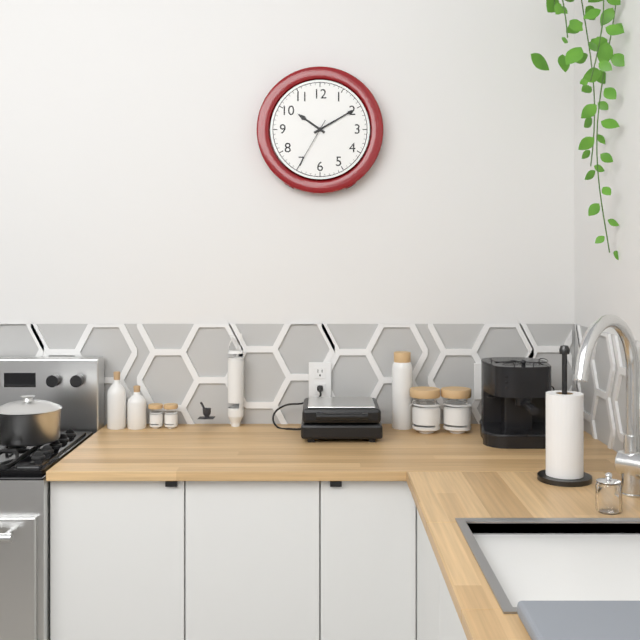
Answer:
10:10:35
